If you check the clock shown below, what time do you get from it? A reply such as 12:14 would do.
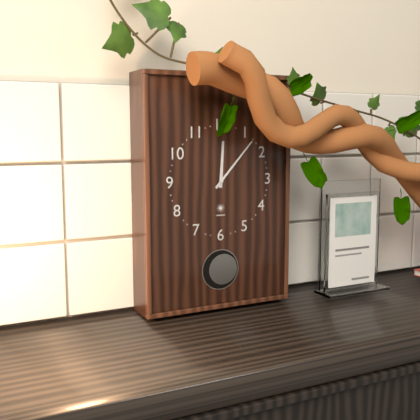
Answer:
12:07
